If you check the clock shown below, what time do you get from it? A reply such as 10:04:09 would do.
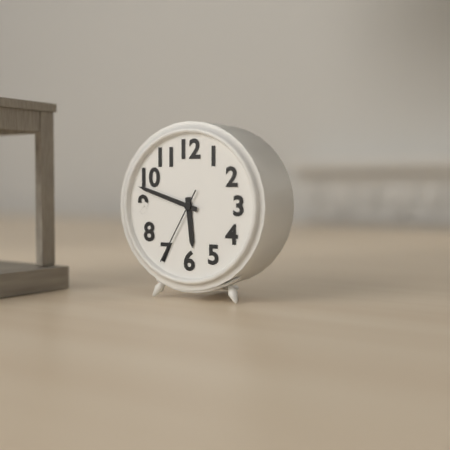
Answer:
5:48:35
